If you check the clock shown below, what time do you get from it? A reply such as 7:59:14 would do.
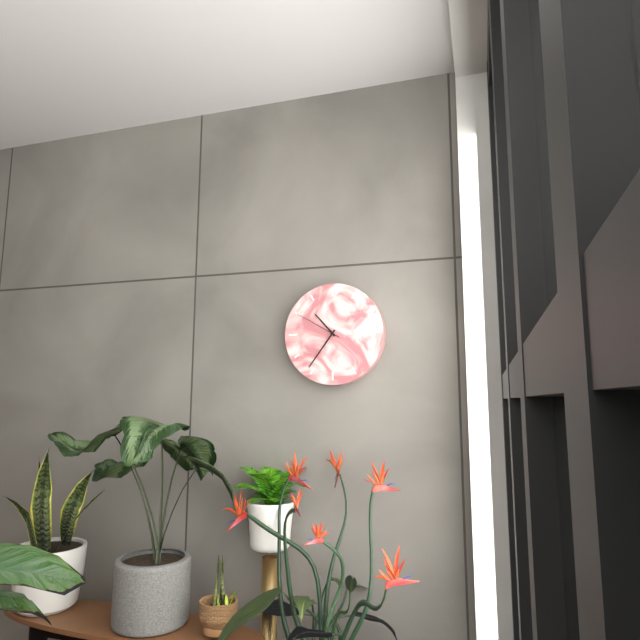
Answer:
10:36:50
